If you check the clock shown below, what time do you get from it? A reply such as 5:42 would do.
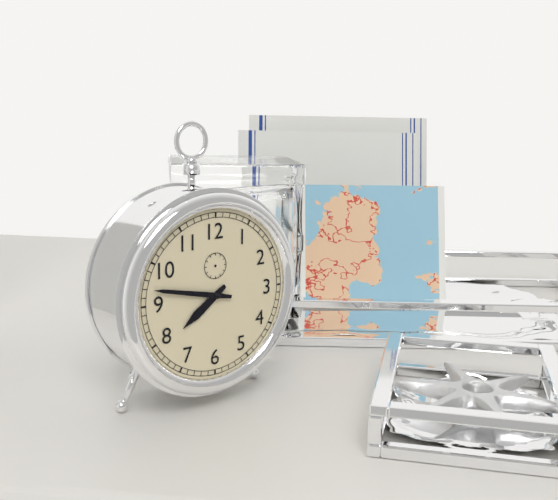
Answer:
7:47
